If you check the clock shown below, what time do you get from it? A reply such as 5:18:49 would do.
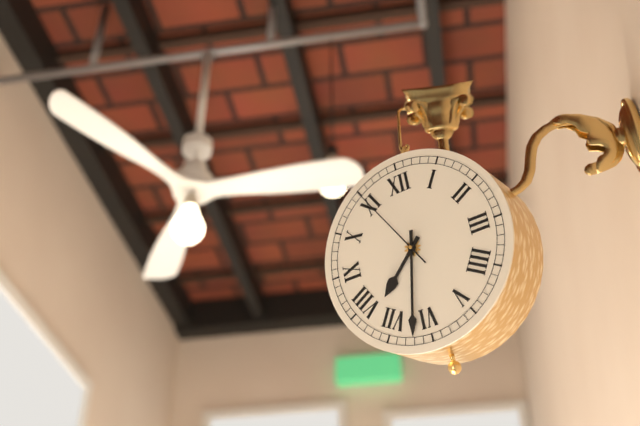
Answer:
7:32:55
